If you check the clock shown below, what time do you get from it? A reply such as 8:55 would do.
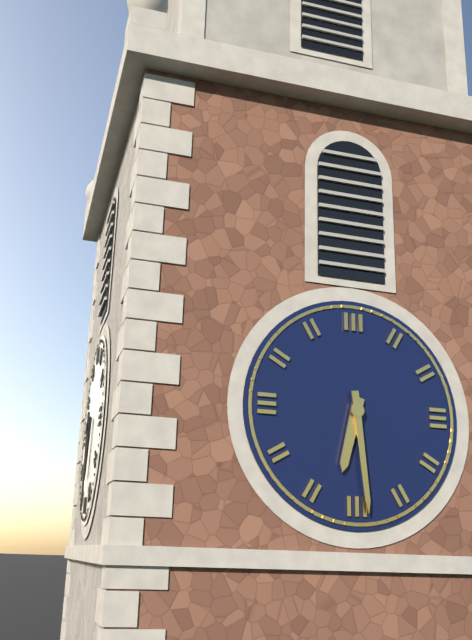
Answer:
6:29
